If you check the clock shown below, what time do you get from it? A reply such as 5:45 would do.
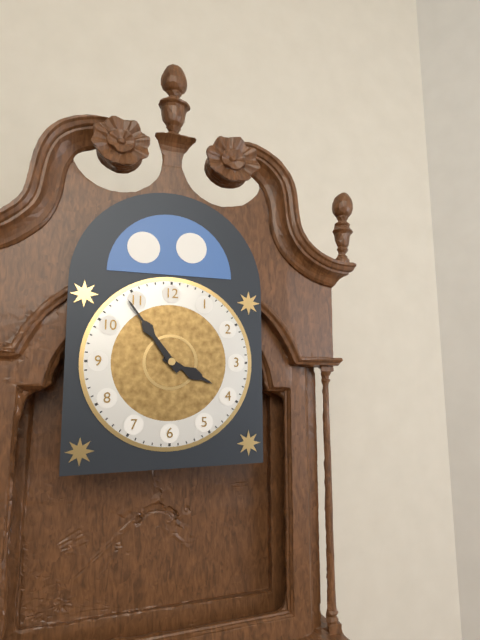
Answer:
3:54
